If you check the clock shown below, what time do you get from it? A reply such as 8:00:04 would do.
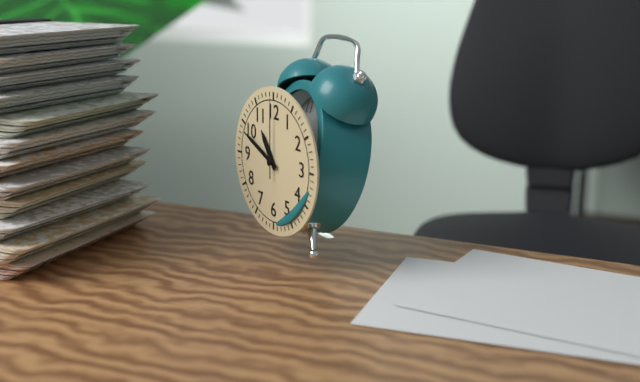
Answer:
10:49:00
